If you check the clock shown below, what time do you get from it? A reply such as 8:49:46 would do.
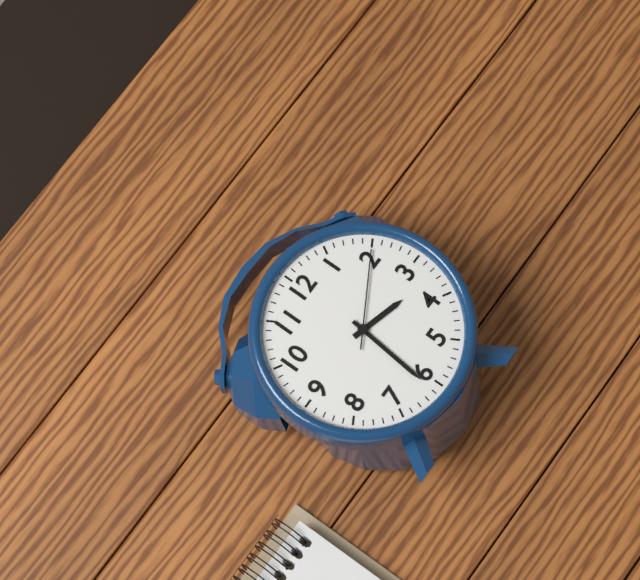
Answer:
3:31:10
